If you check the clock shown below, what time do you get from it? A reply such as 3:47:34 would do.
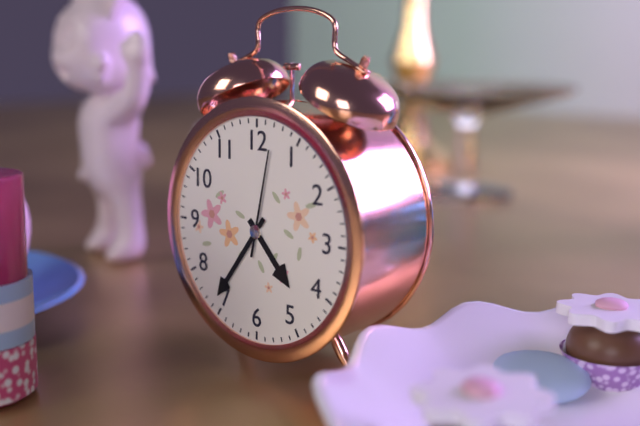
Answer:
4:36:02
